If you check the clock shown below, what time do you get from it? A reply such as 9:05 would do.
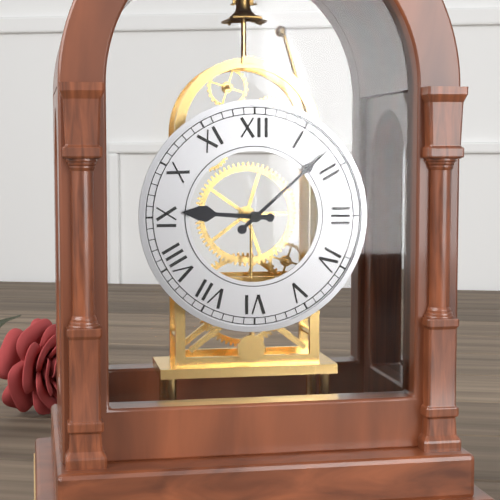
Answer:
9:08
